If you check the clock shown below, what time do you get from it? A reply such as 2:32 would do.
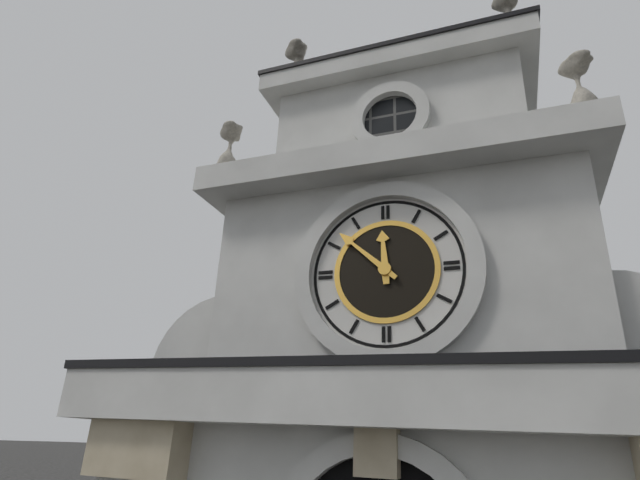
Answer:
11:52
